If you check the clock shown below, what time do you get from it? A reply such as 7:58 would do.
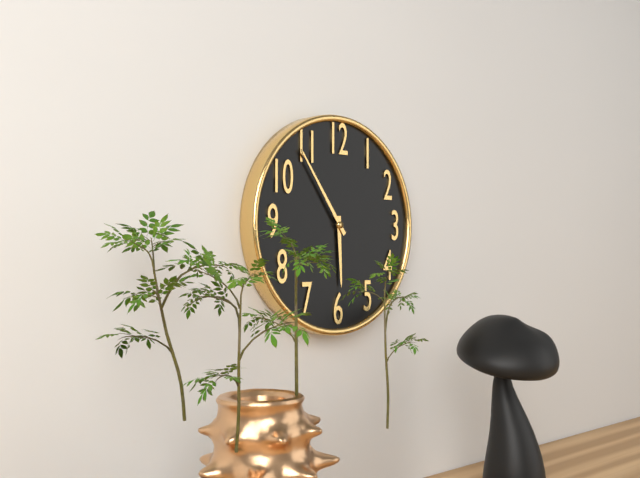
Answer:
5:54
